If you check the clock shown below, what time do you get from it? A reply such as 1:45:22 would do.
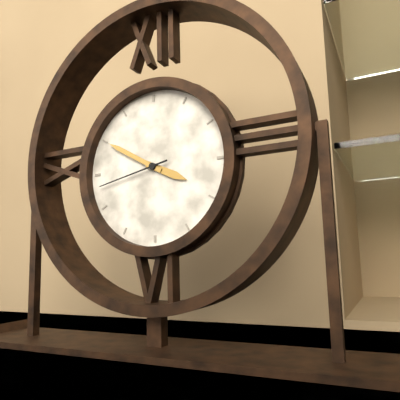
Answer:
3:50:43
